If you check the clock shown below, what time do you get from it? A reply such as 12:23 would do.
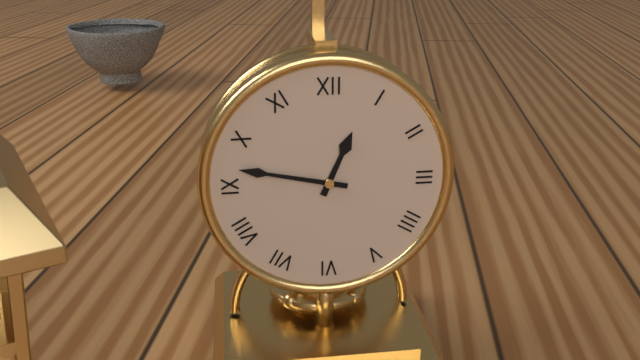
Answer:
12:47
